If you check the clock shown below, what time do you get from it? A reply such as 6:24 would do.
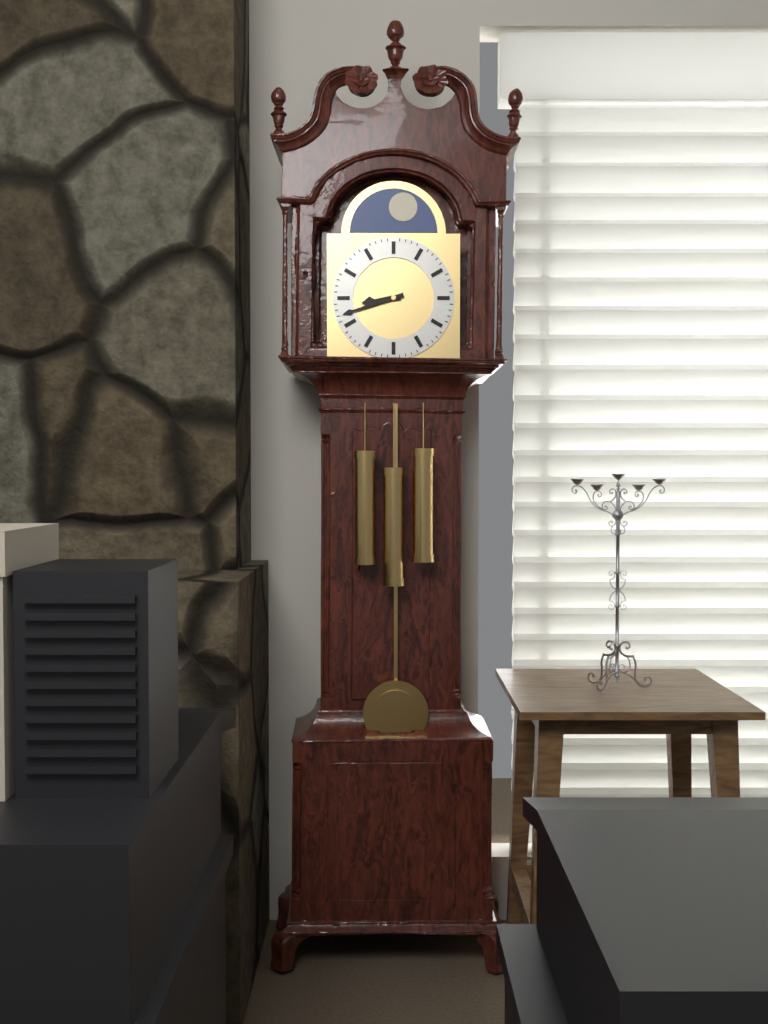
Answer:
8:42
